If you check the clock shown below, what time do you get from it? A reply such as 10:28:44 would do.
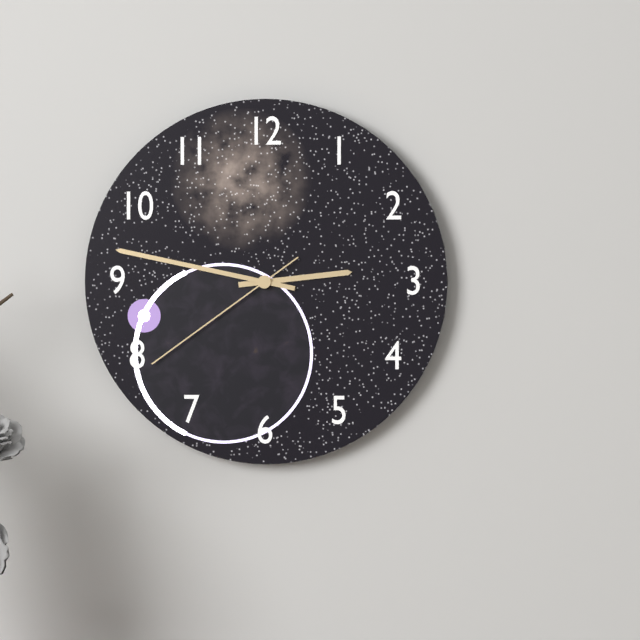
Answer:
2:47:39
